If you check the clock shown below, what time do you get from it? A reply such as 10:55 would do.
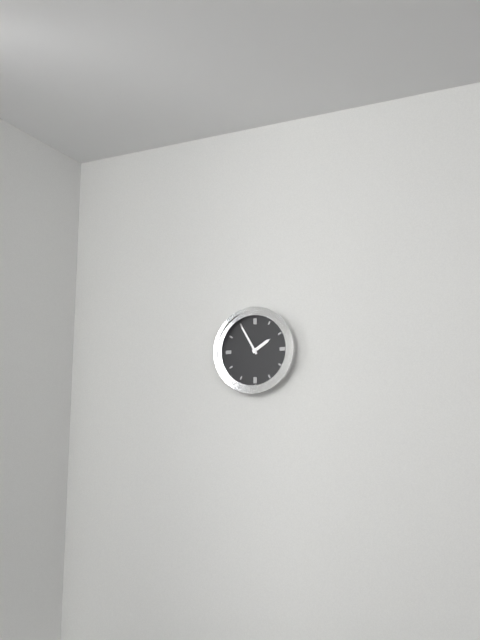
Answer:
1:55
